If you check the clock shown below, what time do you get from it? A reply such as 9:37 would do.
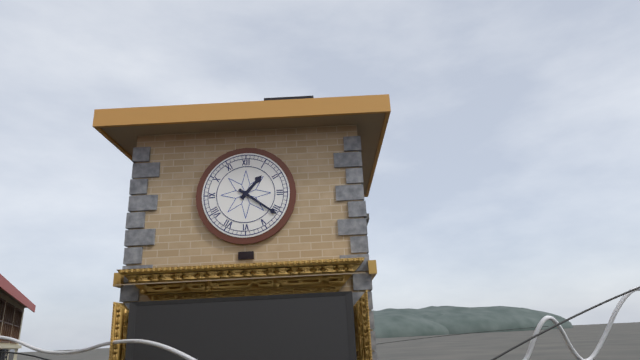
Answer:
1:21
